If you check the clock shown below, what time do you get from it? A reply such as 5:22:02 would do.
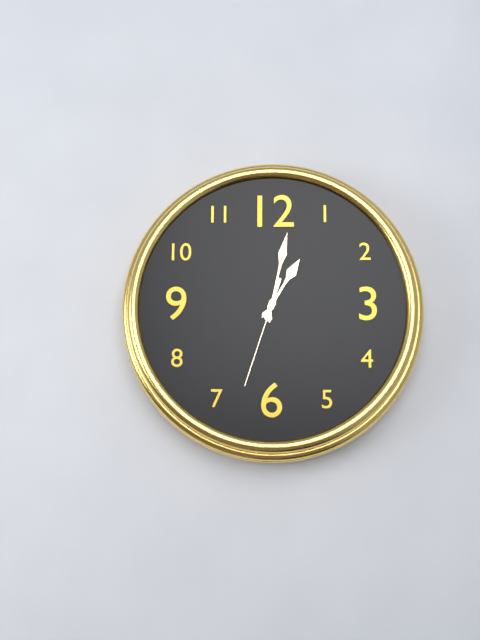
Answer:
1:02:33
